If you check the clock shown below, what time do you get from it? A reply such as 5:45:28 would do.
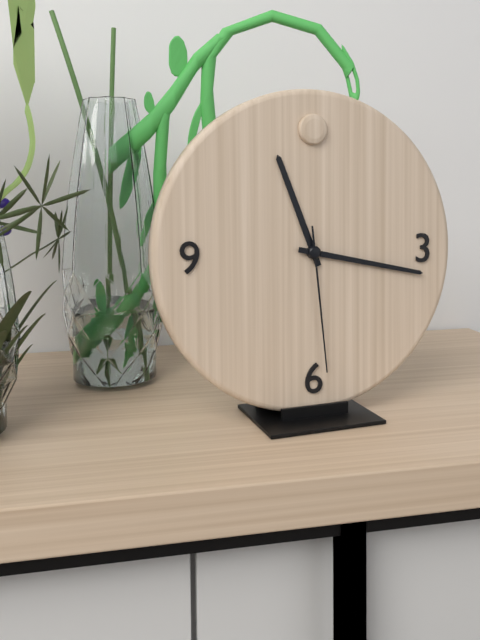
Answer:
11:17:29
